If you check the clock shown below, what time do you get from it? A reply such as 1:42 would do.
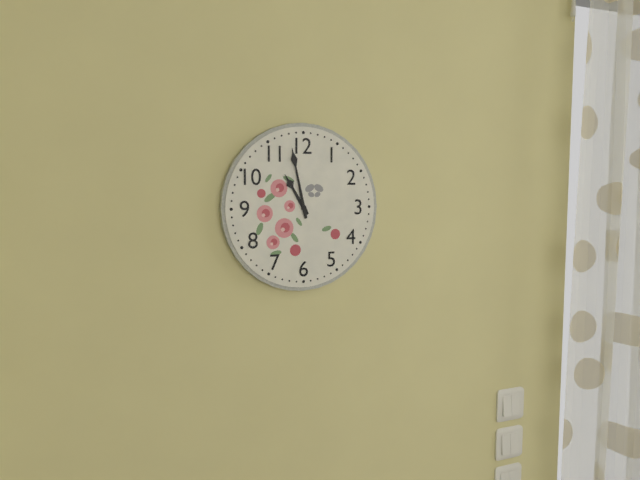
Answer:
10:58
